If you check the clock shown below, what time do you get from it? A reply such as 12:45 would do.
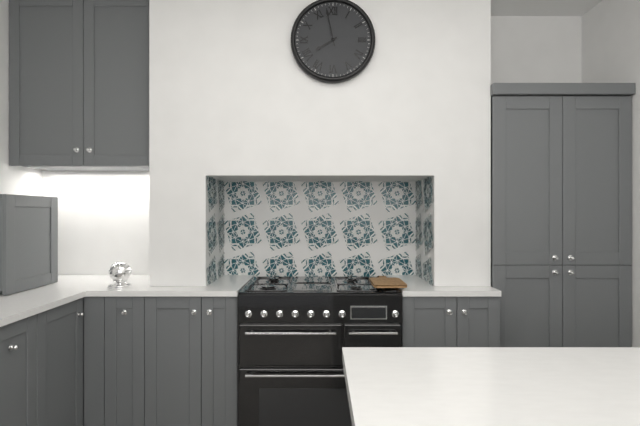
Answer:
7:58
